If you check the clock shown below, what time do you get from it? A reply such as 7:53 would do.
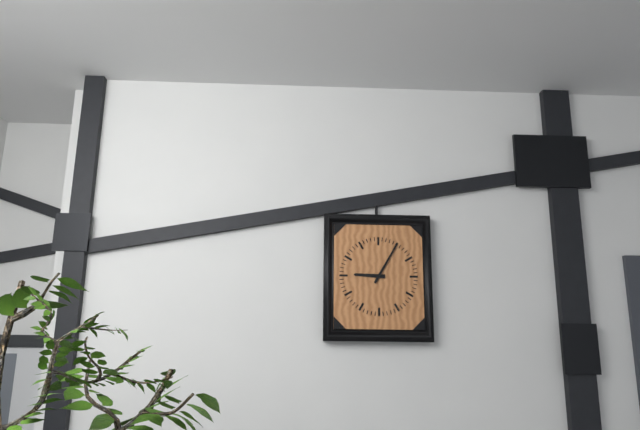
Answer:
9:05
